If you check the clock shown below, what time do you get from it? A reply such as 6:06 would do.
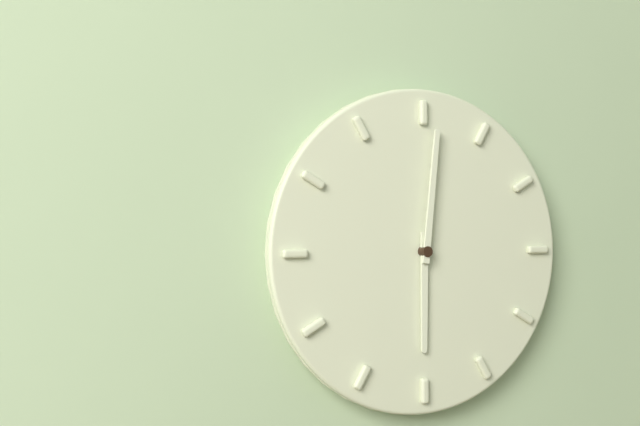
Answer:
6:01
